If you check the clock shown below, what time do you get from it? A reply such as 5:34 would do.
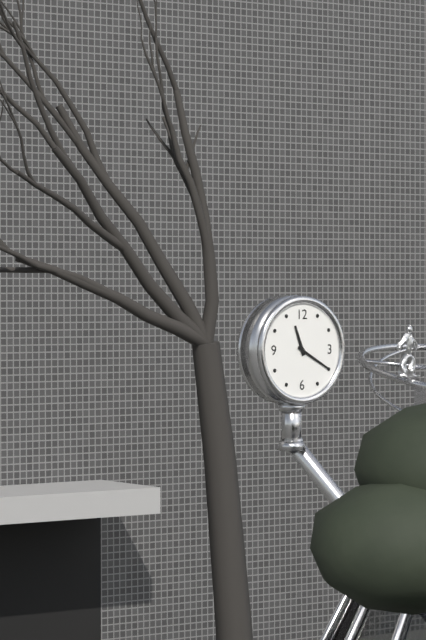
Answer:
11:20
